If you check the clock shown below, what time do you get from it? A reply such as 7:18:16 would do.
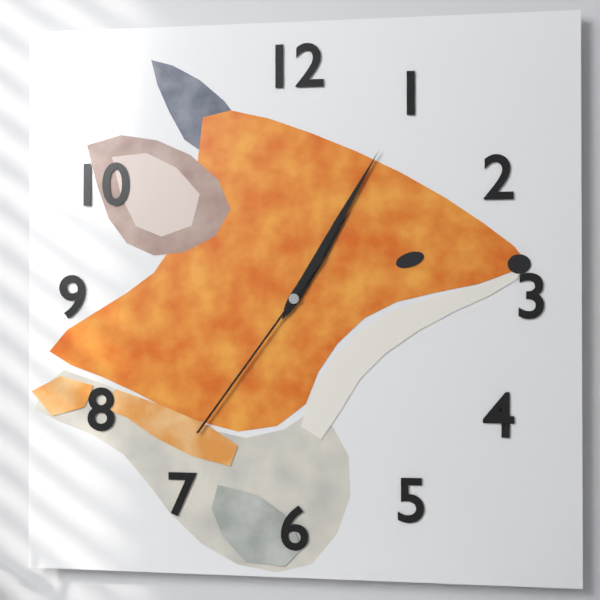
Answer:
1:05:36
